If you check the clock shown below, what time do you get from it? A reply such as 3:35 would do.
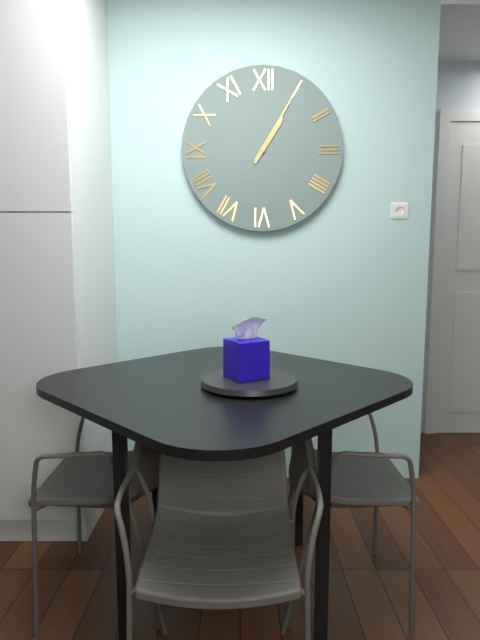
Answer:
1:05
